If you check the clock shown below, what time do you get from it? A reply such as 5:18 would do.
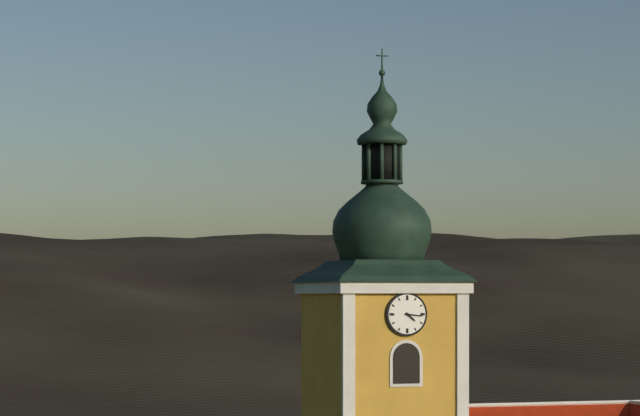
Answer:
4:16
